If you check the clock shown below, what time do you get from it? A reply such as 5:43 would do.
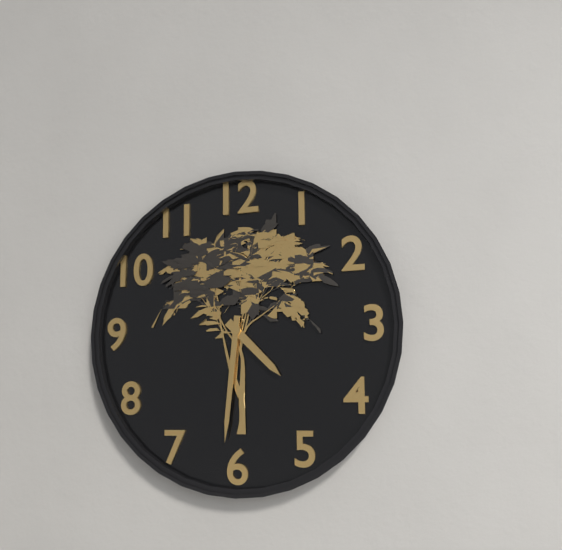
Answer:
4:31
